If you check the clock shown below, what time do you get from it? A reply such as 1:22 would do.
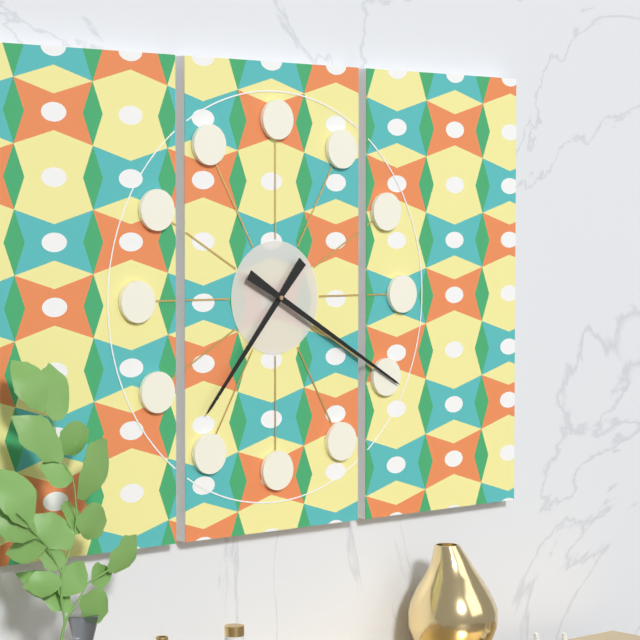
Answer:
7:20
